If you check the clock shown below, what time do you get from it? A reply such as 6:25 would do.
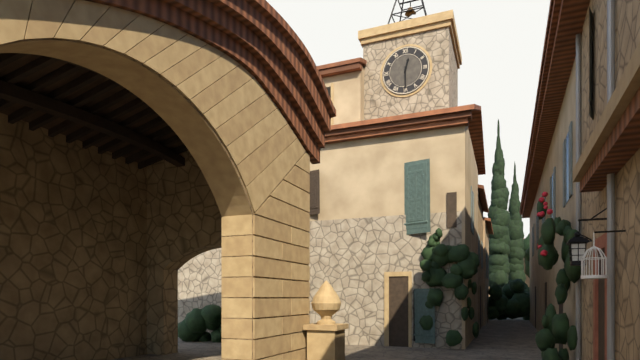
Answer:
12:30
